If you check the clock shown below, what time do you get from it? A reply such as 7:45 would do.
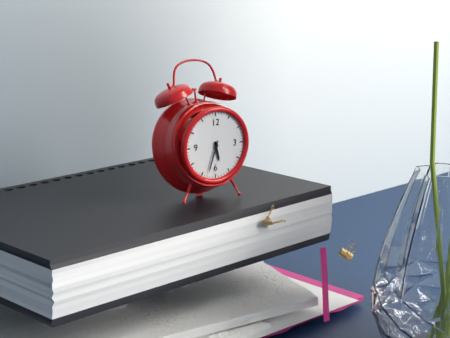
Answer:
5:33
